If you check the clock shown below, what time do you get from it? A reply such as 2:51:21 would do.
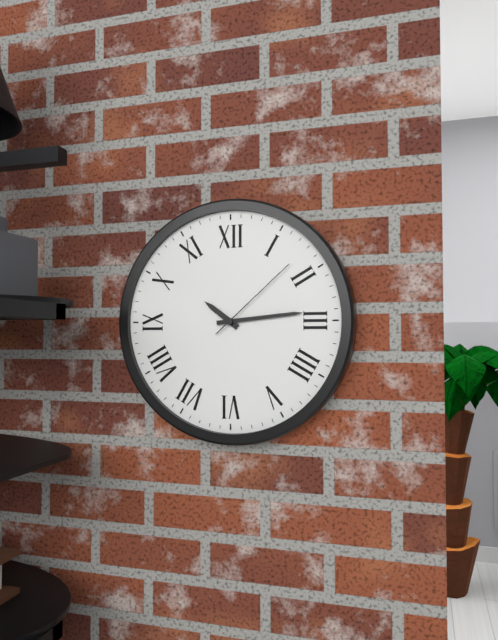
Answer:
10:14:08
